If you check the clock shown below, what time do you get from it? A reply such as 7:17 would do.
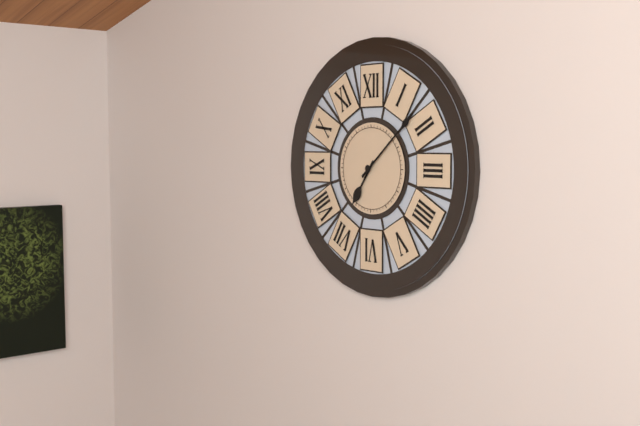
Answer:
7:08
